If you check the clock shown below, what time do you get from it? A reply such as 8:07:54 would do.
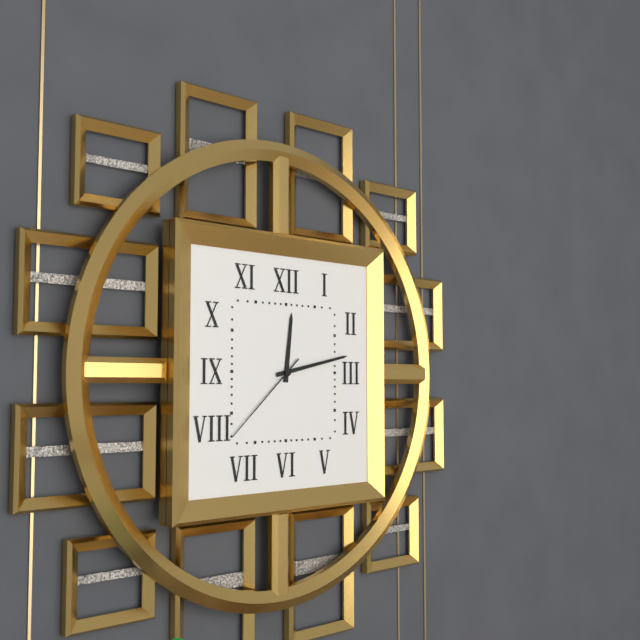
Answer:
12:13:38
